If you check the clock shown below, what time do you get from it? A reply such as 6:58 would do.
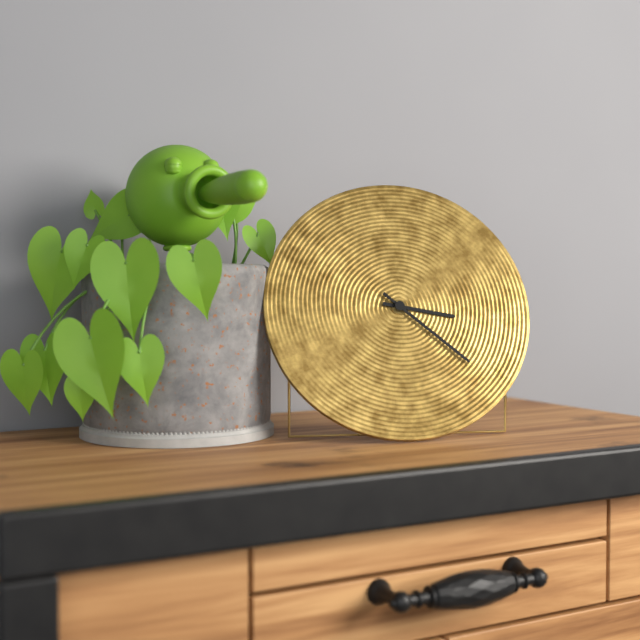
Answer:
3:22
